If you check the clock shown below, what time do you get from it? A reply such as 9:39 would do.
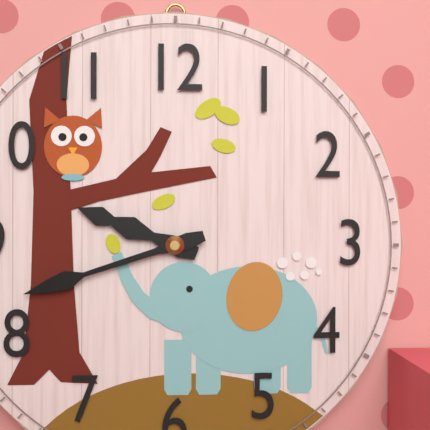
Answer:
9:42
